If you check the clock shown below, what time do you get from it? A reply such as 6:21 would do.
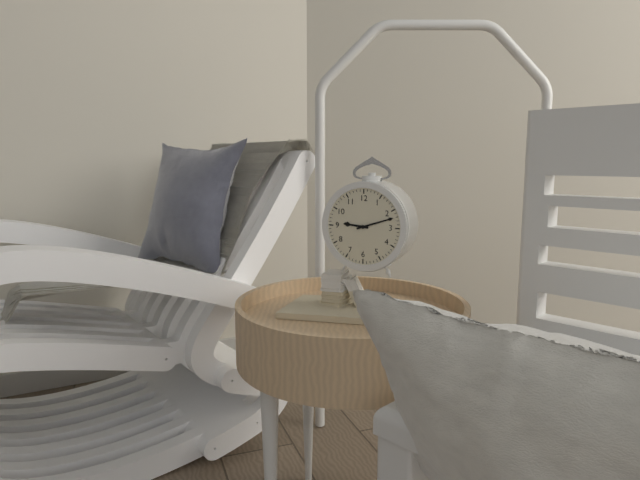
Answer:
9:12
